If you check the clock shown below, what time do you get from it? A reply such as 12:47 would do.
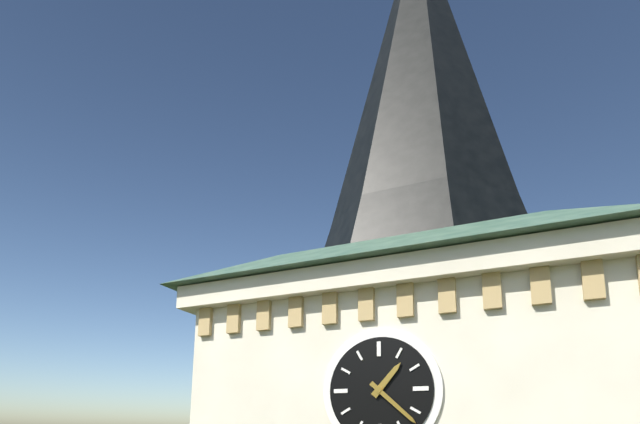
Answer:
1:22
